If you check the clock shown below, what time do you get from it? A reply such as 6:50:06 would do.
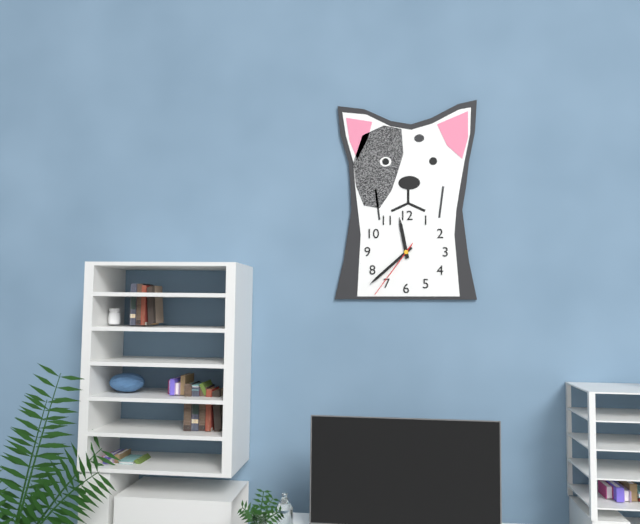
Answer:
11:38:36
